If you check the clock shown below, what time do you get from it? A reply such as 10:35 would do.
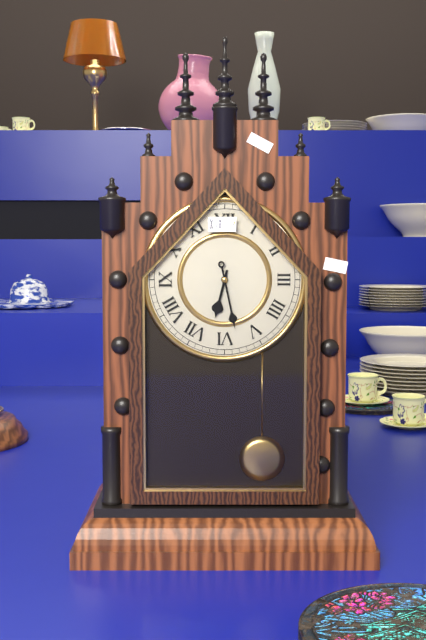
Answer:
6:28
